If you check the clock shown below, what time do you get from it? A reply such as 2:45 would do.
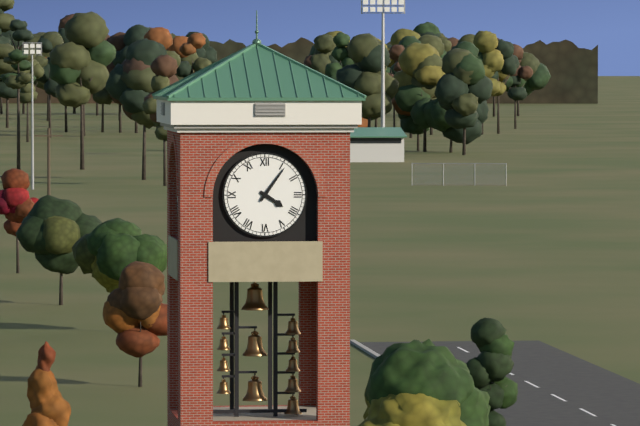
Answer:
4:06
